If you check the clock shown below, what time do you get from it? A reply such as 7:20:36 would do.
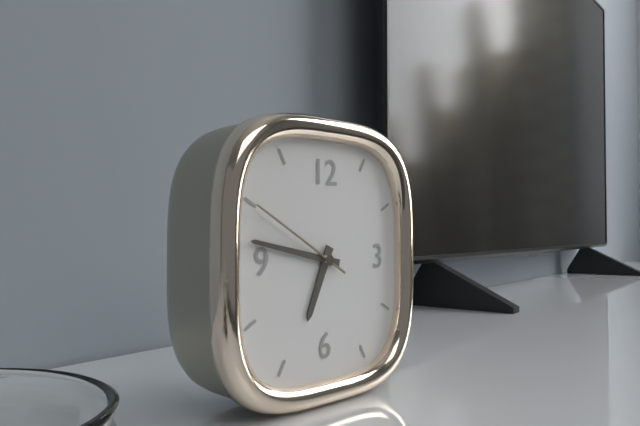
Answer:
6:47:50
